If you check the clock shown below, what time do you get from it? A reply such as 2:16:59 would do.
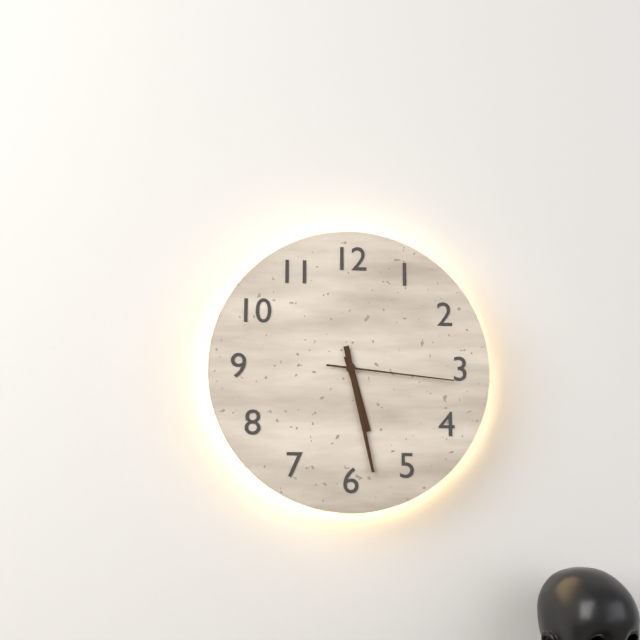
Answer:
5:28:16
